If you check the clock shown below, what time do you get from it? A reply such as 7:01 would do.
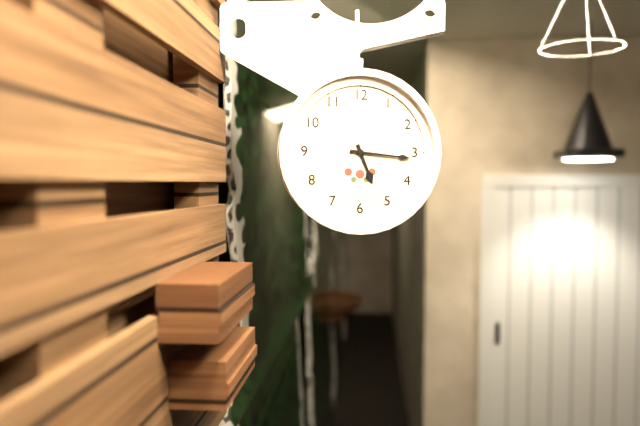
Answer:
5:16
